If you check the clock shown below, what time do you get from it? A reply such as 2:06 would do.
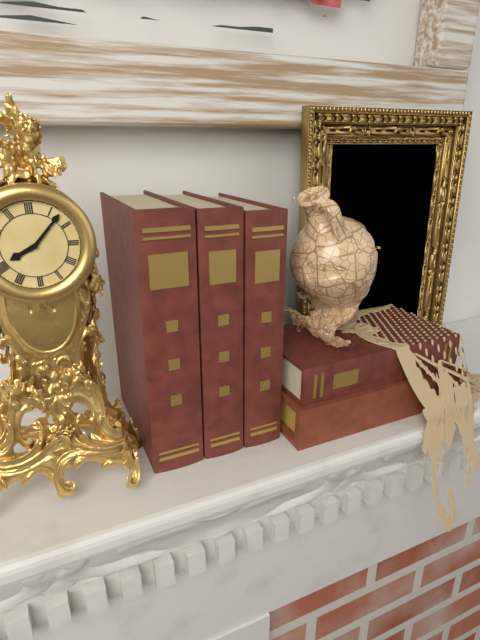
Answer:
8:07
